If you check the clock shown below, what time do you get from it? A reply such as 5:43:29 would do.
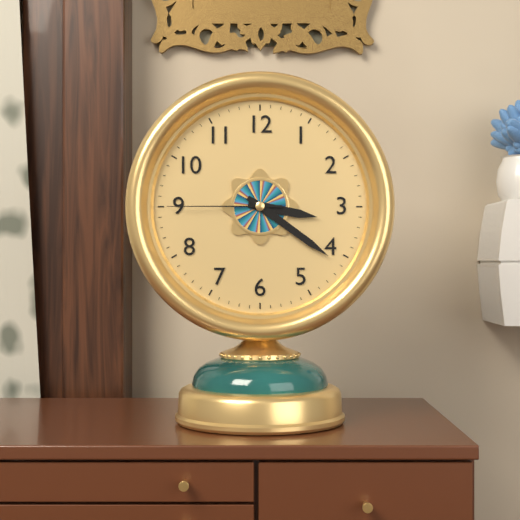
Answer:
3:21:45
